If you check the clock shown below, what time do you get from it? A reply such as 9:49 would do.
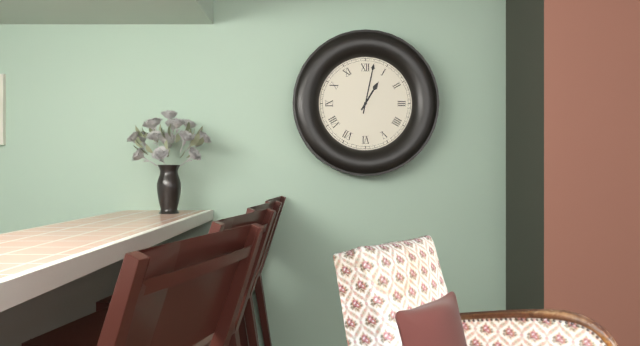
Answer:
1:02
